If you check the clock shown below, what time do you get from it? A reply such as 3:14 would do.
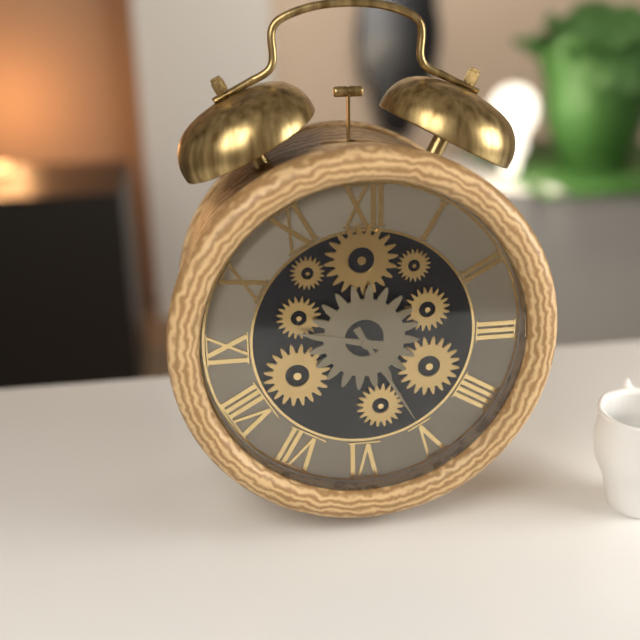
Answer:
9:25
